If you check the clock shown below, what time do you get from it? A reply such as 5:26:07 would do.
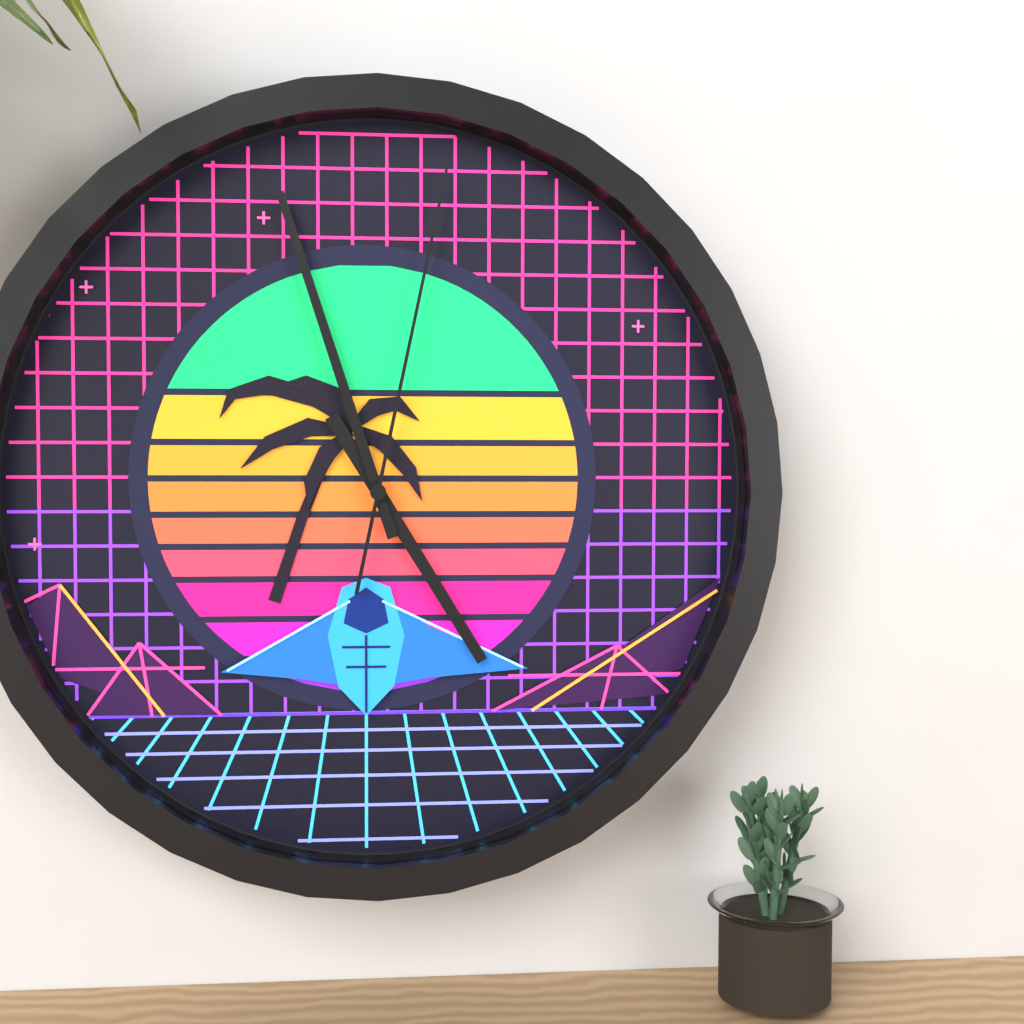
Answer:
4:57:02
